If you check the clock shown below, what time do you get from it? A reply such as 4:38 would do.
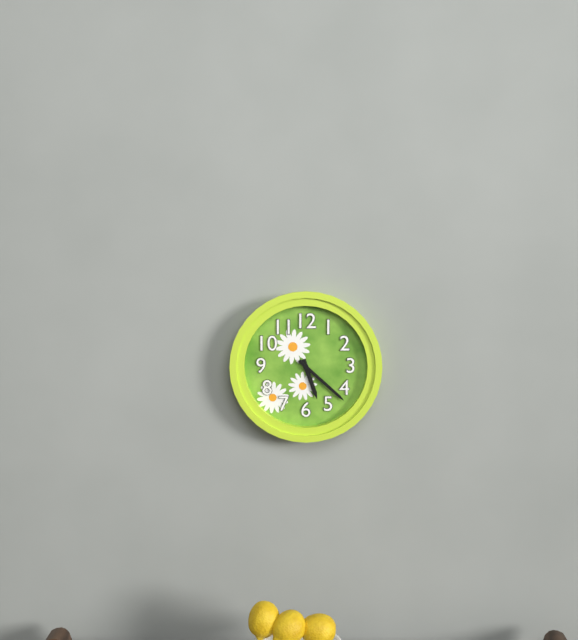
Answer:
5:22
